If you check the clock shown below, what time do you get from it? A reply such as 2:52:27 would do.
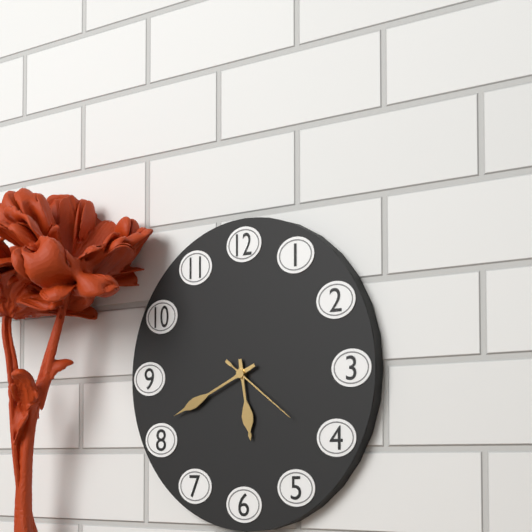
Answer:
5:41:21
